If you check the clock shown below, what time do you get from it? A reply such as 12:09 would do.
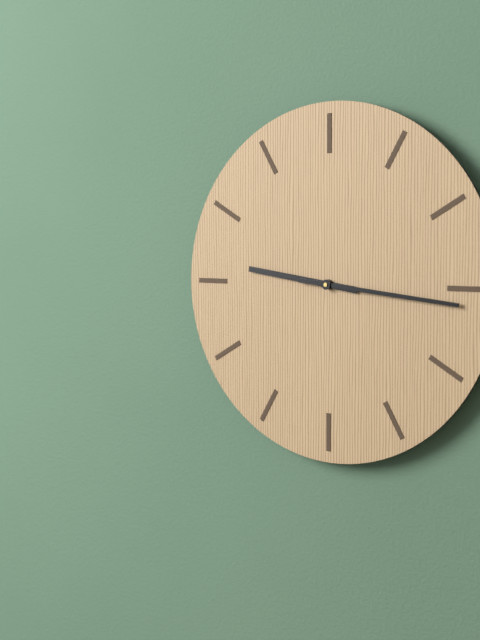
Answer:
9:16
